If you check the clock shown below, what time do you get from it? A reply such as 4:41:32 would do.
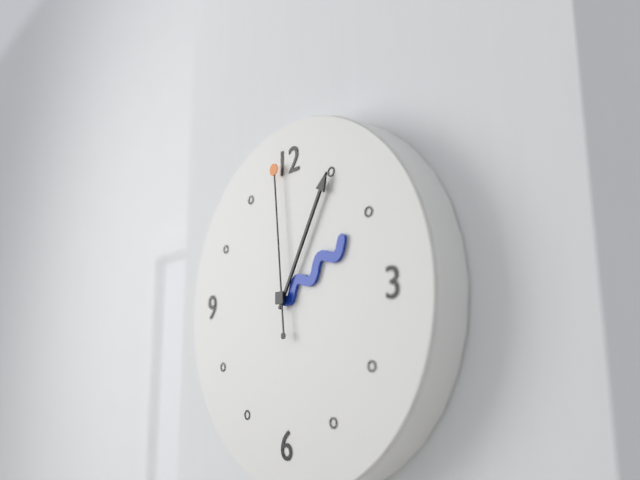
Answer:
2:05:59
